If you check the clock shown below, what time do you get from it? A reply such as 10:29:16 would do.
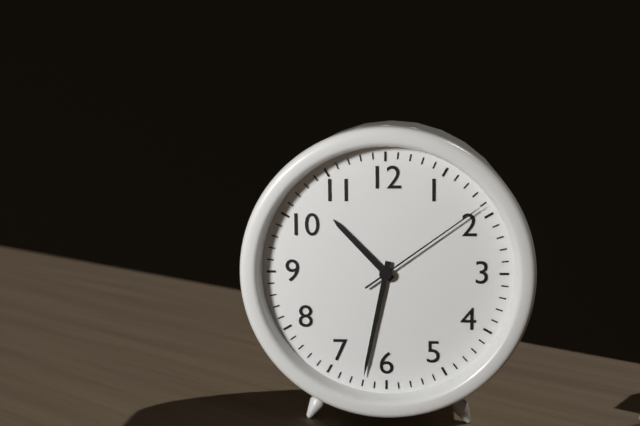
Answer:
10:32:09
